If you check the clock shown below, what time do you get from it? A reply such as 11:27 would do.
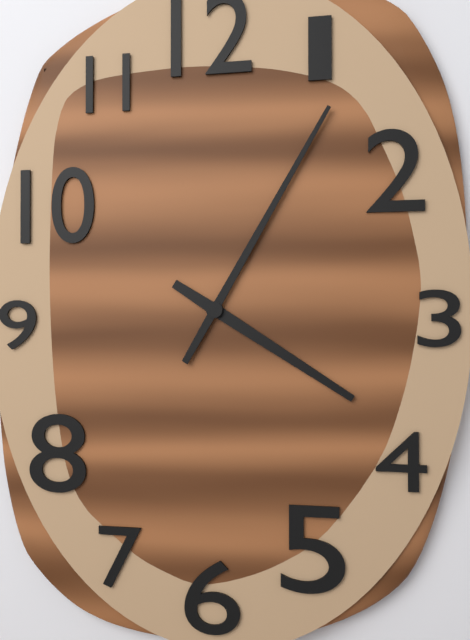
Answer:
4:05
